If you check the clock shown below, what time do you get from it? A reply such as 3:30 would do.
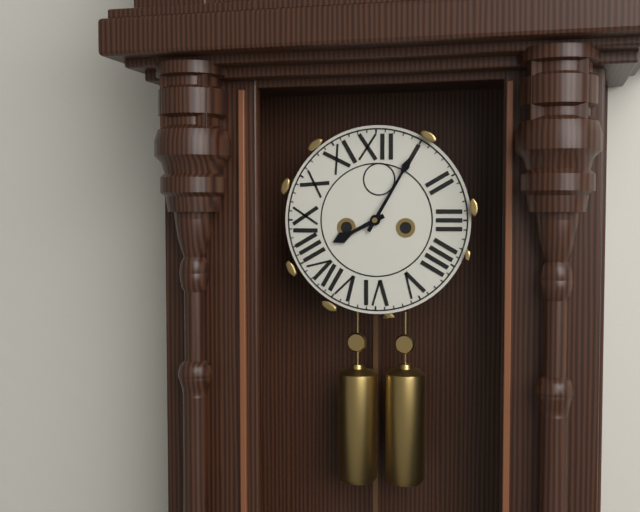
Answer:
8:05
